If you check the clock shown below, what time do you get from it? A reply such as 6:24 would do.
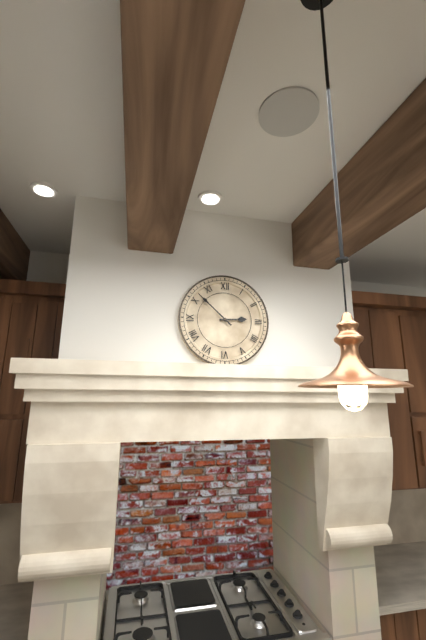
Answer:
2:52
